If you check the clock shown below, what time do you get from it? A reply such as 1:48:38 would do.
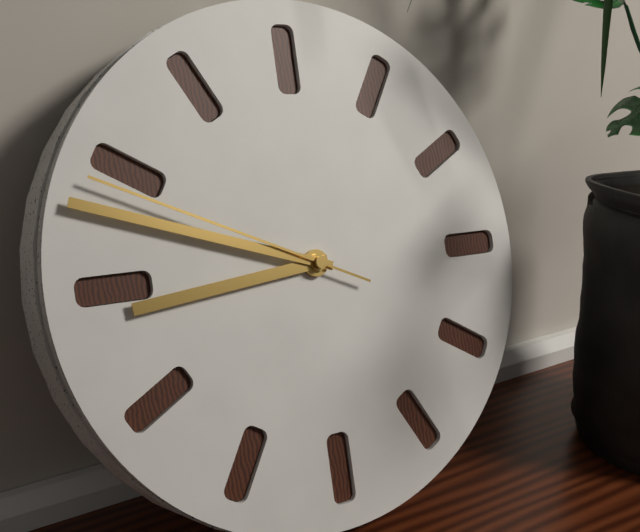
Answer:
8:48:49
